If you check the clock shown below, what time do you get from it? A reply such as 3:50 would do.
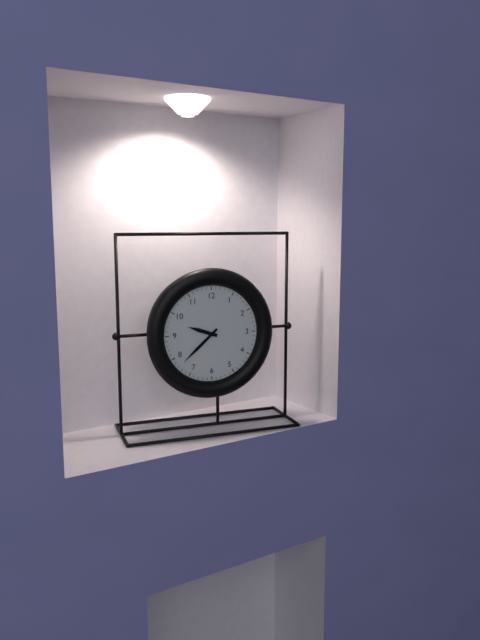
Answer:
9:38
